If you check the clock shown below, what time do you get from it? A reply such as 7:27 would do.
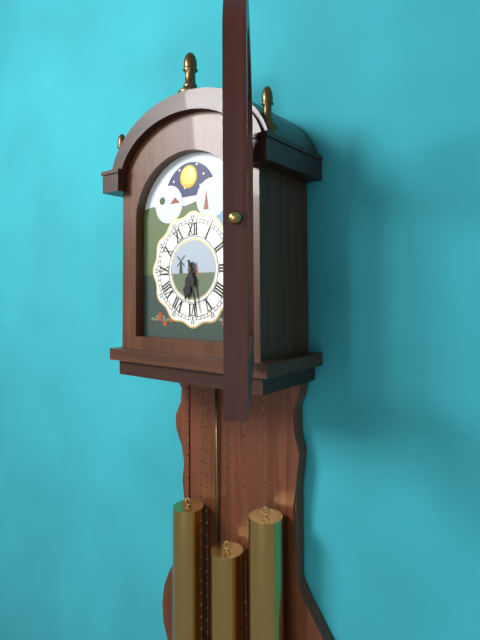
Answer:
6:28
